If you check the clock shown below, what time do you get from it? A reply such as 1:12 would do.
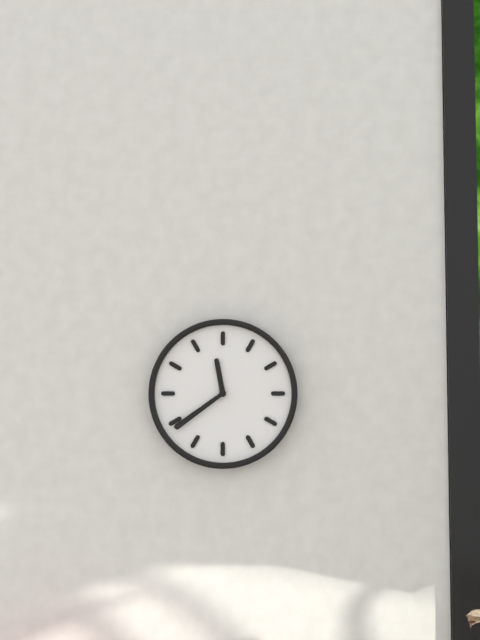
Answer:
11:39
